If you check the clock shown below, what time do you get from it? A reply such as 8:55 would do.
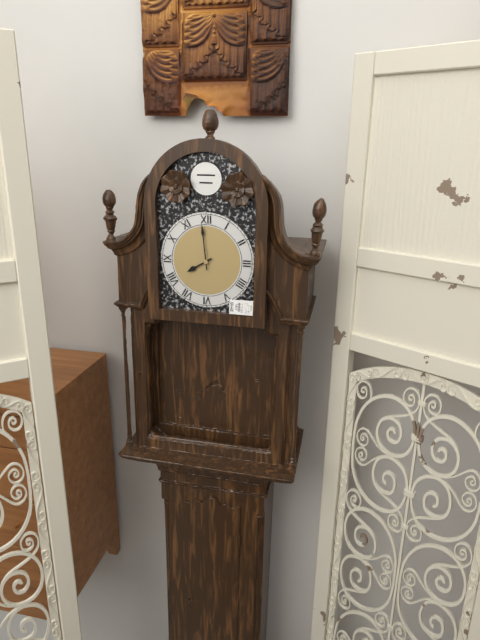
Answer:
7:59
